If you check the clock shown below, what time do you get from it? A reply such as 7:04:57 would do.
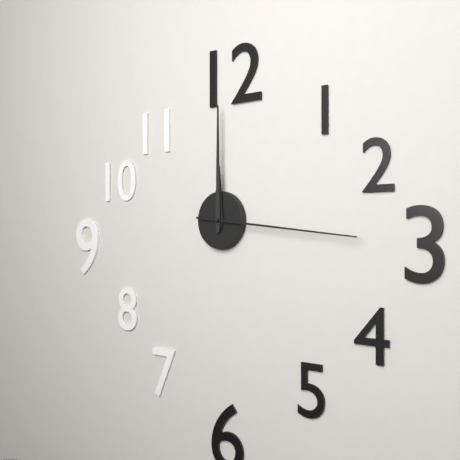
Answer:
12:00:16
